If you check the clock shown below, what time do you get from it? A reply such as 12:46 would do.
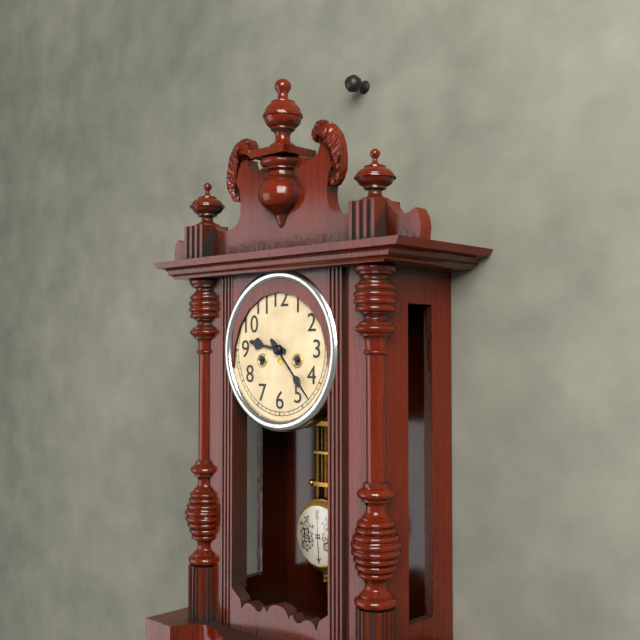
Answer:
9:23
